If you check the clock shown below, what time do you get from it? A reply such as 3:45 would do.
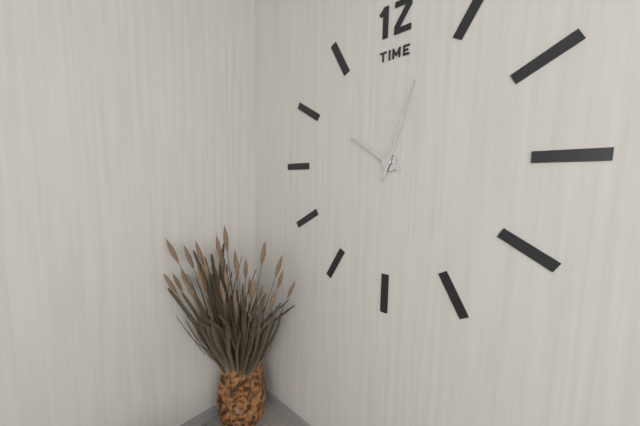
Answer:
10:03
